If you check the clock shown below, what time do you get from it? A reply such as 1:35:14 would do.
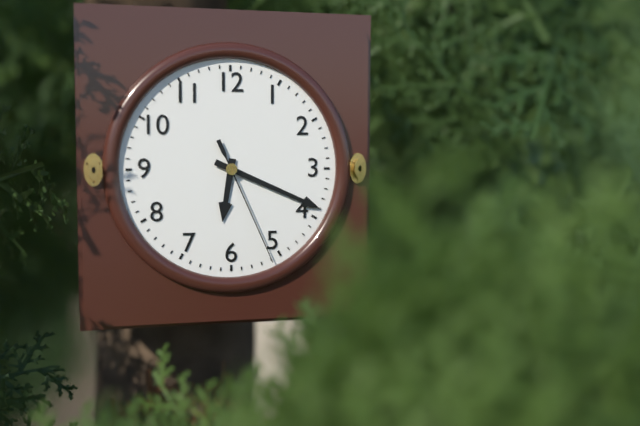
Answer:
6:19:26
